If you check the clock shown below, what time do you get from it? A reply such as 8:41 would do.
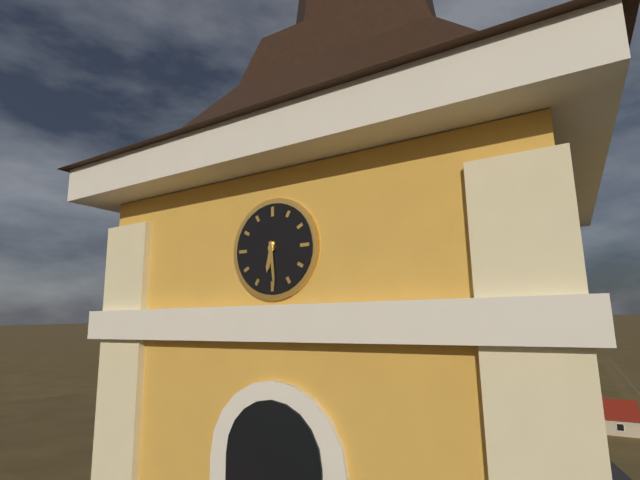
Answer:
6:29
